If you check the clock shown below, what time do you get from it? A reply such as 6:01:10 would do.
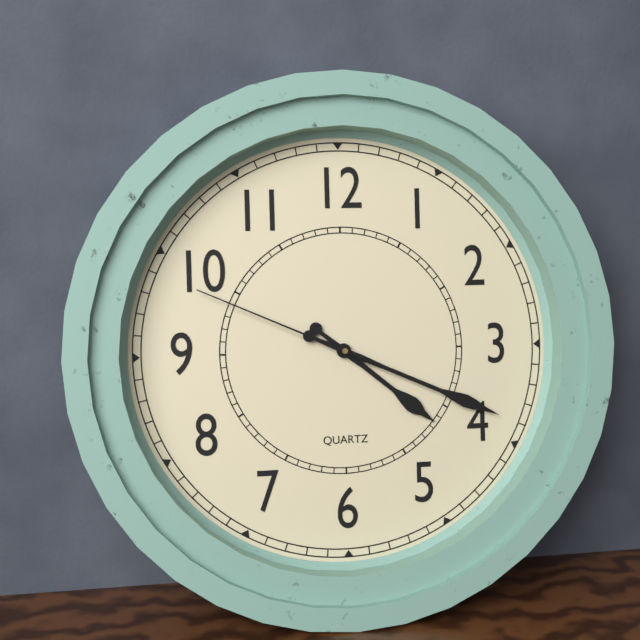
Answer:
4:19:49
